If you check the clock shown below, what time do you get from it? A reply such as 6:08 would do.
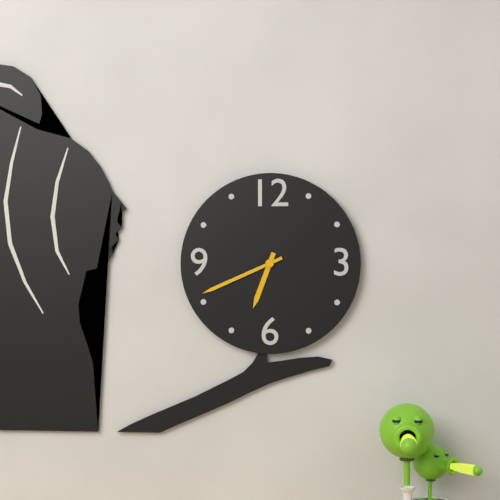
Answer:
6:41
